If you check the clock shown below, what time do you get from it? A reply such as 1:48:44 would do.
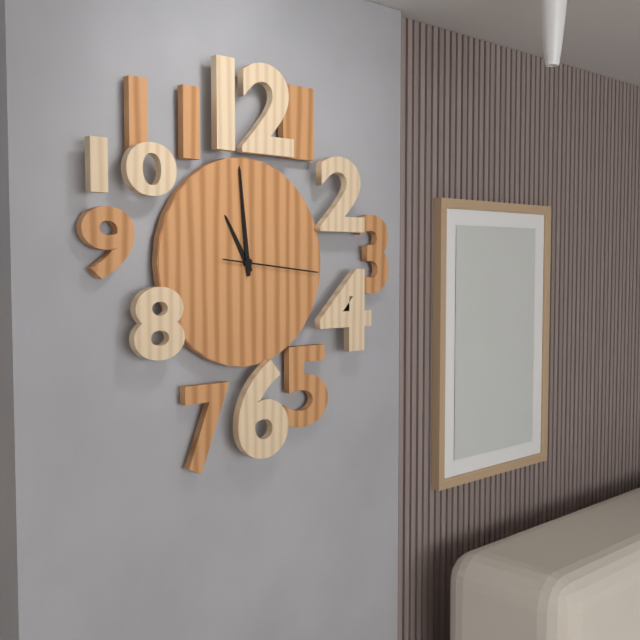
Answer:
10:59:16
